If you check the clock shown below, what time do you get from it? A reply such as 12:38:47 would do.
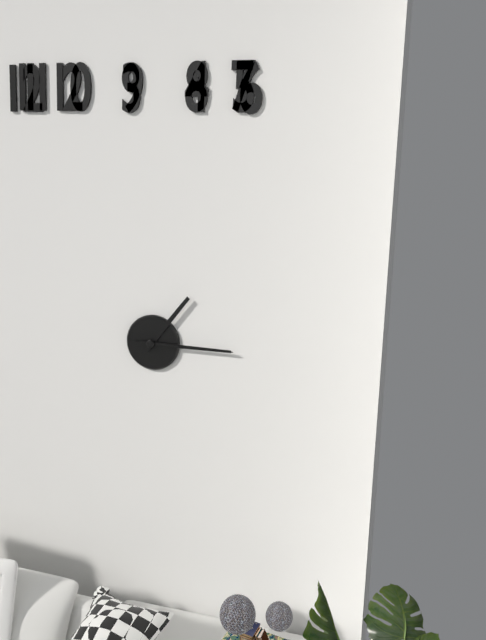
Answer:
1:15:15
